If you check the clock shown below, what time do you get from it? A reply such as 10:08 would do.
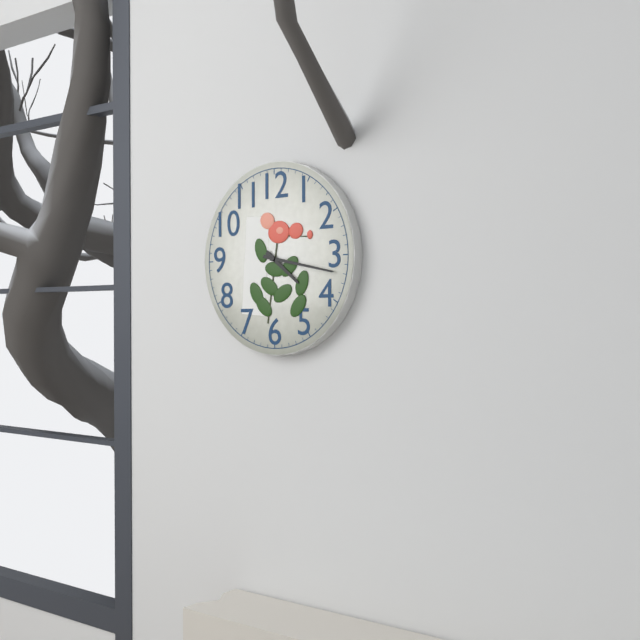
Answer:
4:17
